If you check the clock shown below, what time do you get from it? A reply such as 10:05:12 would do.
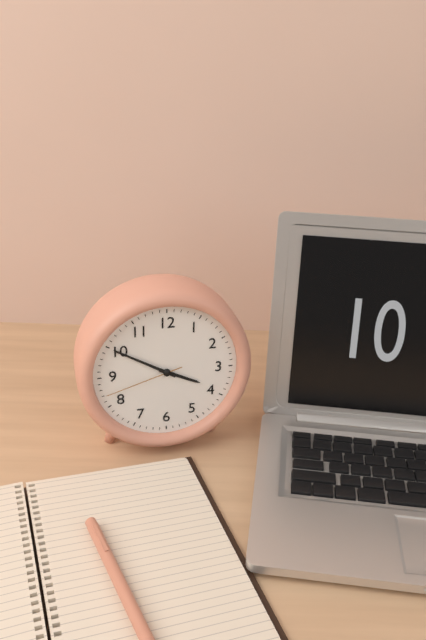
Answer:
3:50:42
